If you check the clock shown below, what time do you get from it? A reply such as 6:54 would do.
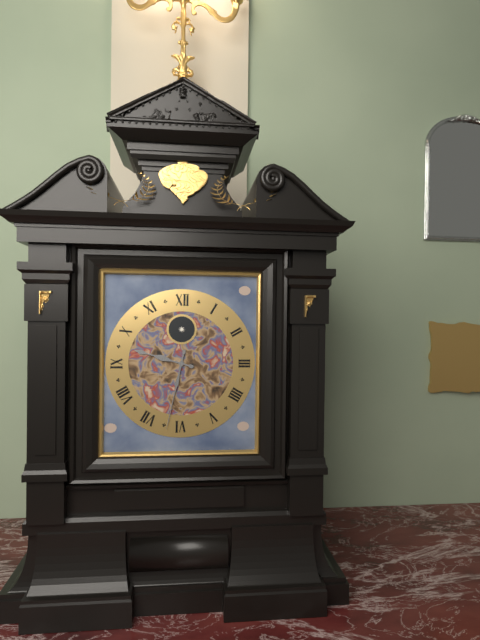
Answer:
9:32
